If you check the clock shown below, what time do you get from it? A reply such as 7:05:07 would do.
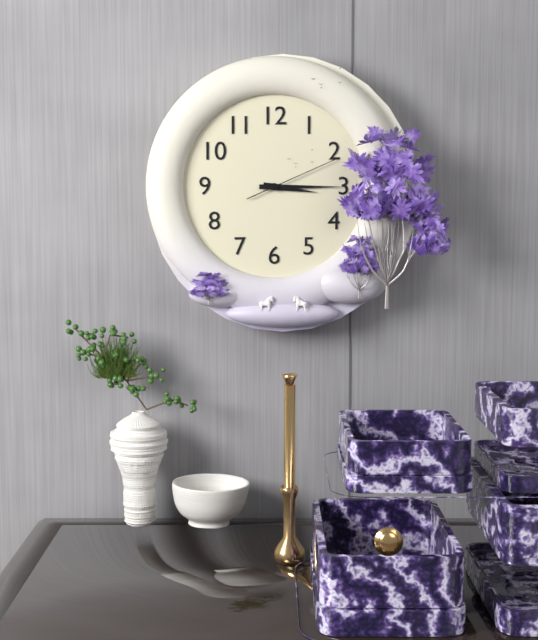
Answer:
3:15:11
